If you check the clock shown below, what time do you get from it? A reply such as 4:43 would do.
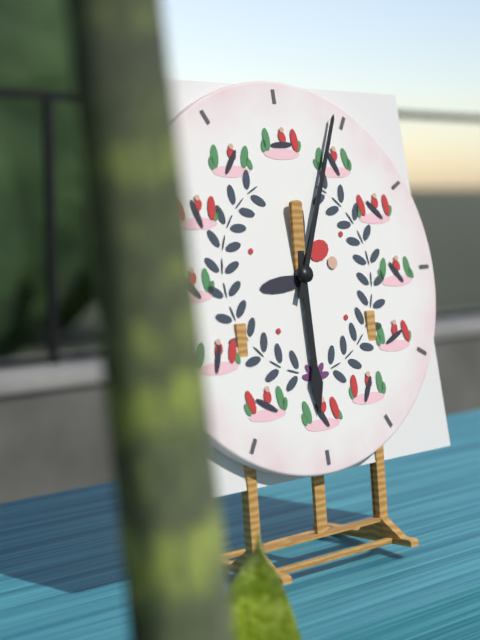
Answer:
6:04
